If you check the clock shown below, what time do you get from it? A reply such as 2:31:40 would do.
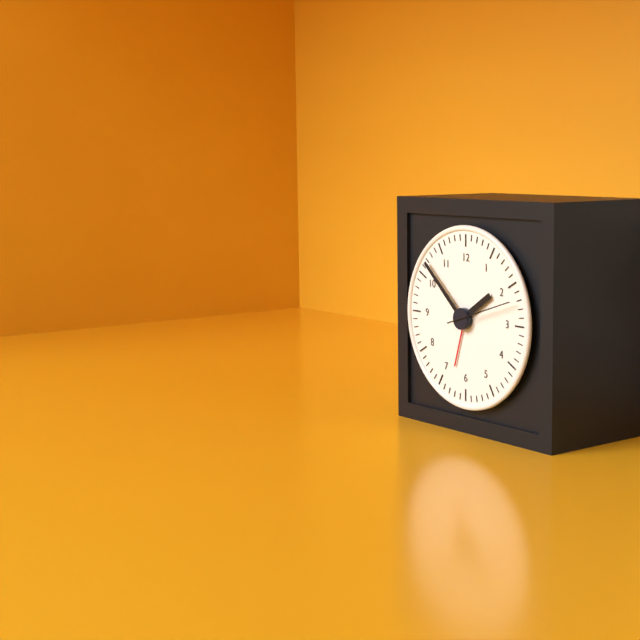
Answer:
1:52:12
